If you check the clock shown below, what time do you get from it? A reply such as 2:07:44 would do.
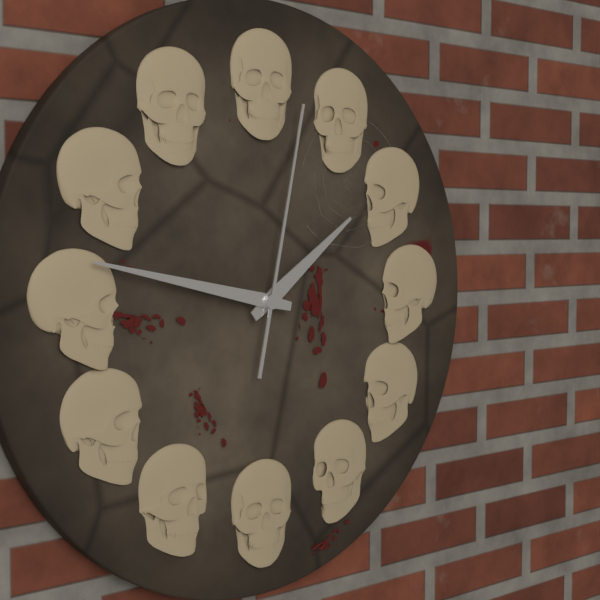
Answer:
1:47:02
